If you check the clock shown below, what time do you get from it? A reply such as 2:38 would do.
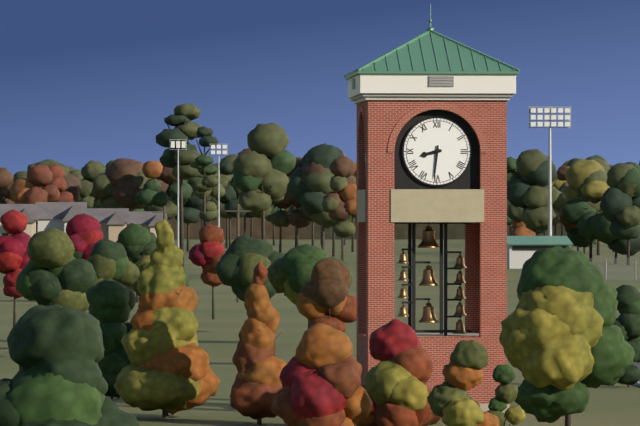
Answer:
8:31
